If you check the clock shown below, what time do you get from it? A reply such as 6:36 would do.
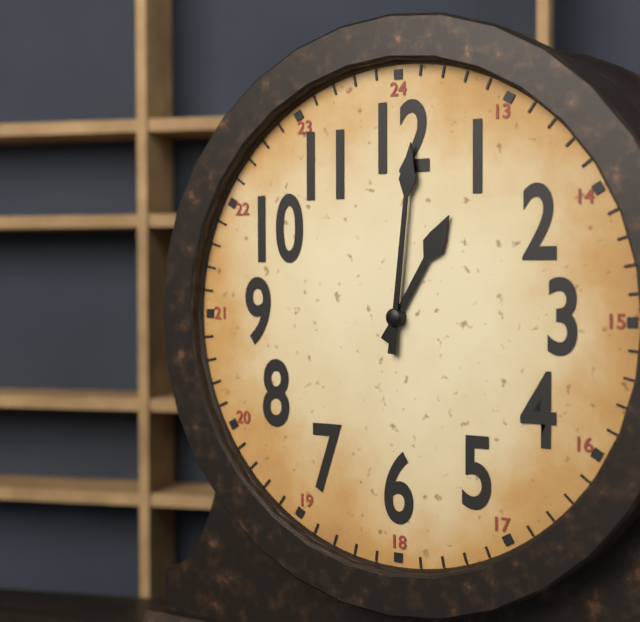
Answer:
1:01
